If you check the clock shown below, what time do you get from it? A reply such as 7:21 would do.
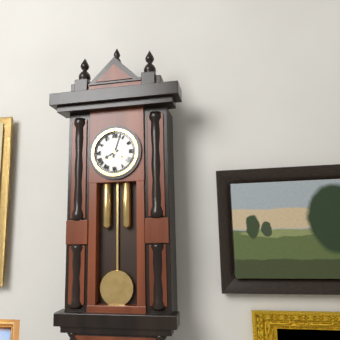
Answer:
8:03
